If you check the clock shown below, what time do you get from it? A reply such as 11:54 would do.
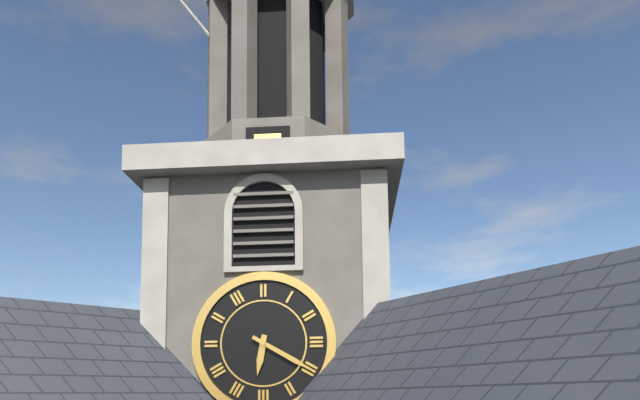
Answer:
6:20
